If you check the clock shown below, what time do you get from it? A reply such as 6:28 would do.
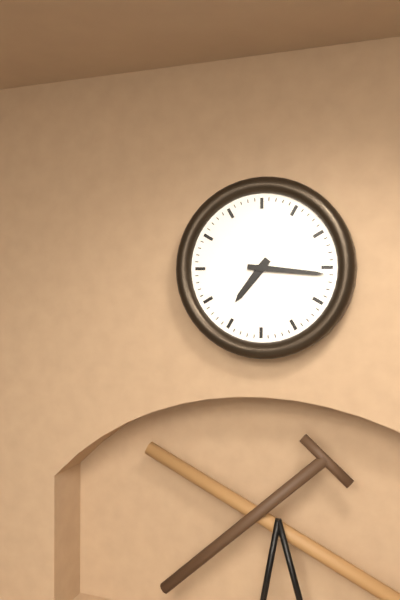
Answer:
7:16
